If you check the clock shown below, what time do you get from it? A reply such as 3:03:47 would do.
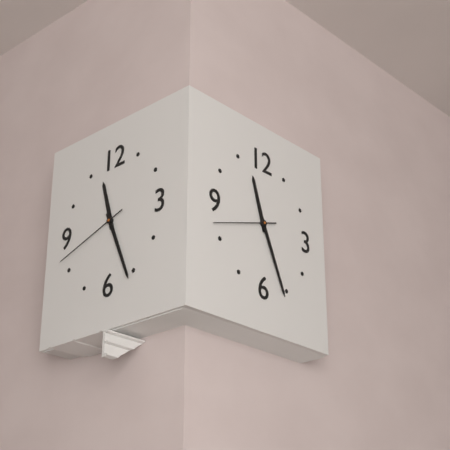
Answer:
11:26:42
